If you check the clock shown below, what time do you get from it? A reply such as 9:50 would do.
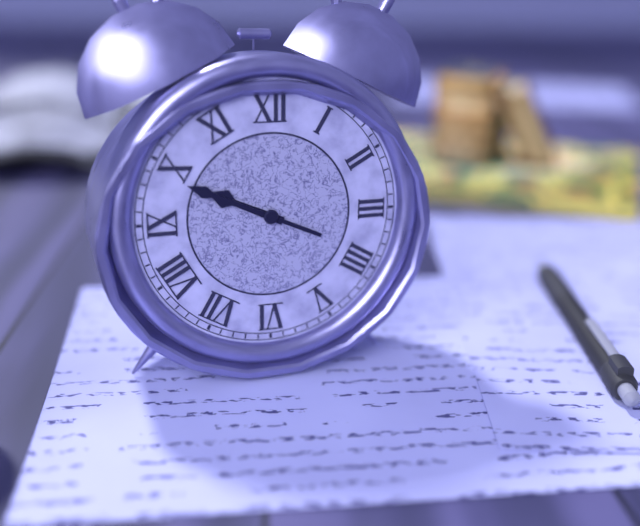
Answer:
9:49
